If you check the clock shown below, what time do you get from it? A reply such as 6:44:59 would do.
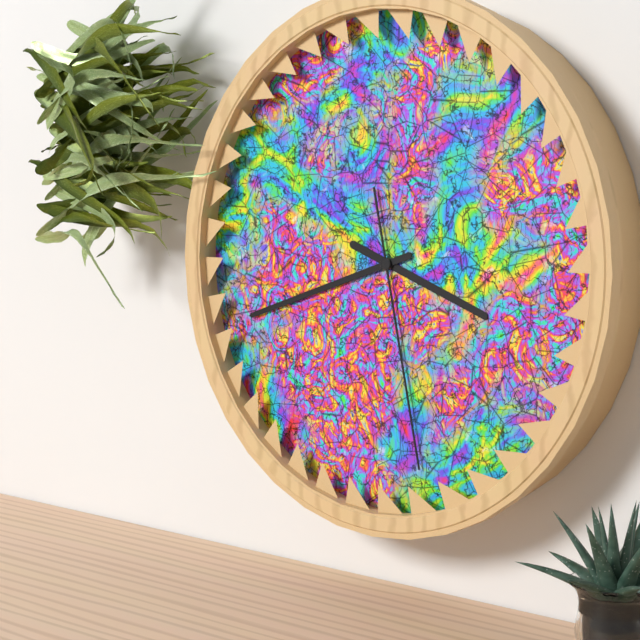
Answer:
3:42:28
